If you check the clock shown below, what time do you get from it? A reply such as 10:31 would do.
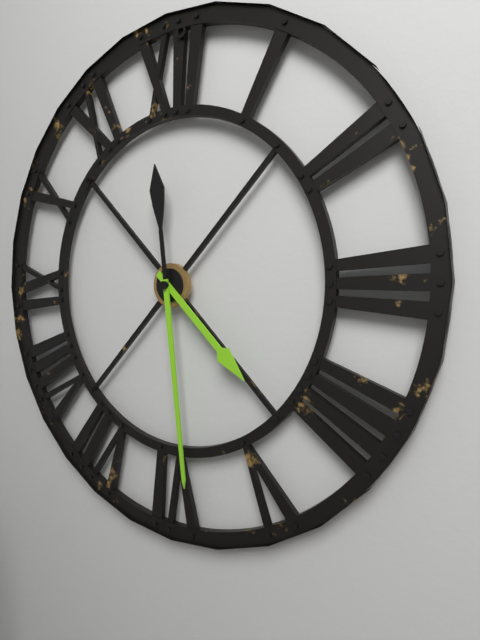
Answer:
4:29
